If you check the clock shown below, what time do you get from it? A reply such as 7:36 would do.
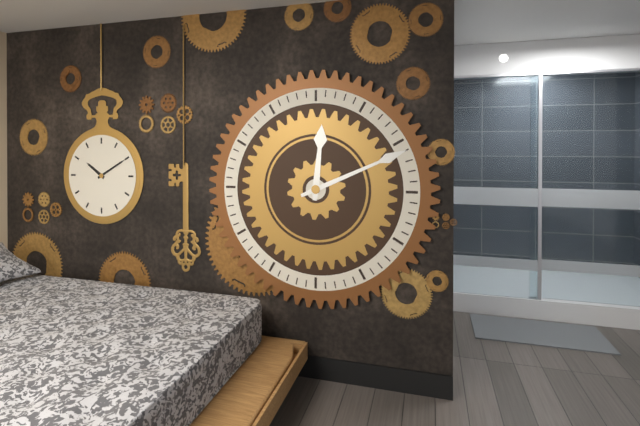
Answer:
12:11
